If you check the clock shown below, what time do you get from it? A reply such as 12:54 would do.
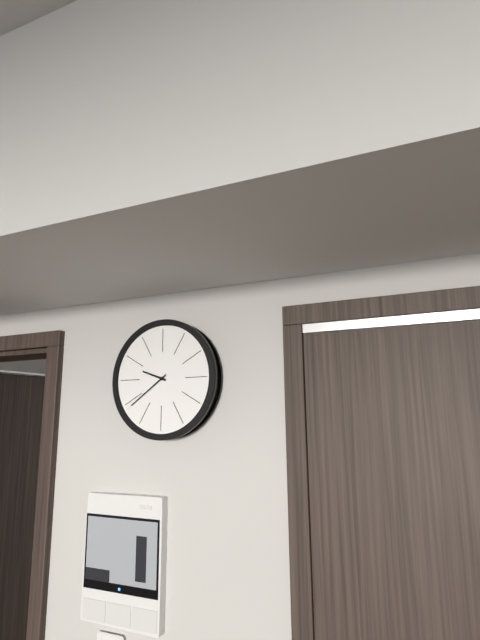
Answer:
9:39
